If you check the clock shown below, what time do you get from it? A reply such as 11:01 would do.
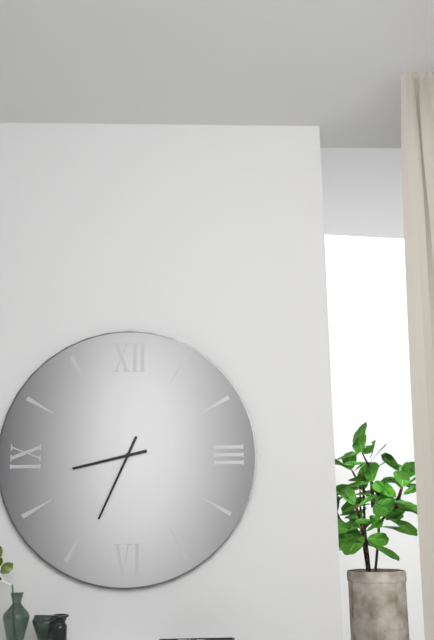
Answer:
8:34
